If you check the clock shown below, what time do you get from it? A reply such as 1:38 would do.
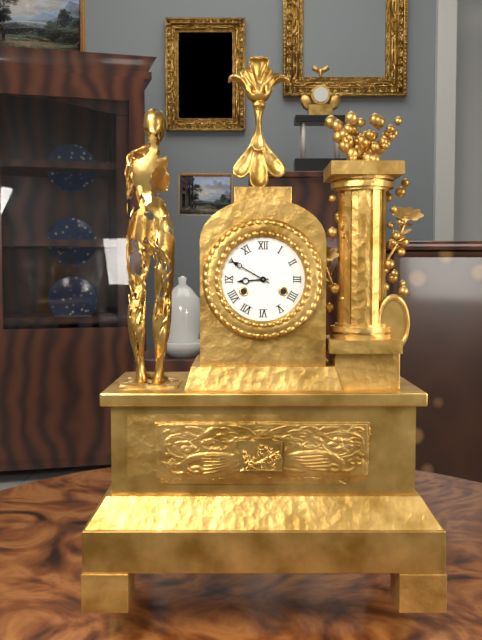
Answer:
8:50
